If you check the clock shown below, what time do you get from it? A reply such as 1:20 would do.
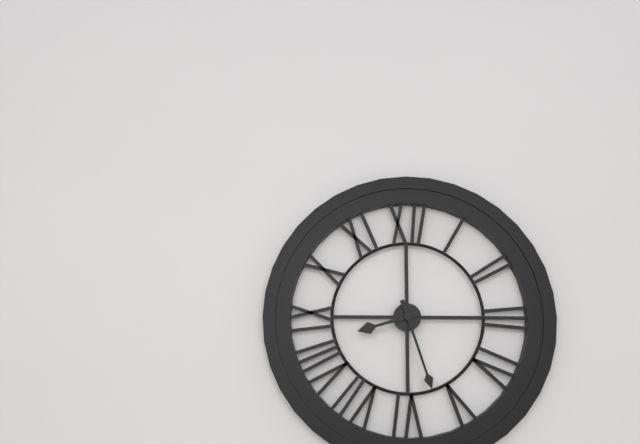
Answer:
8:27
